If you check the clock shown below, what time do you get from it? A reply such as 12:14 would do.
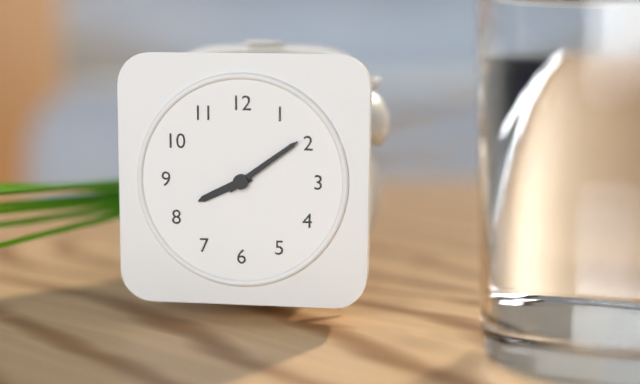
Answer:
8:09
